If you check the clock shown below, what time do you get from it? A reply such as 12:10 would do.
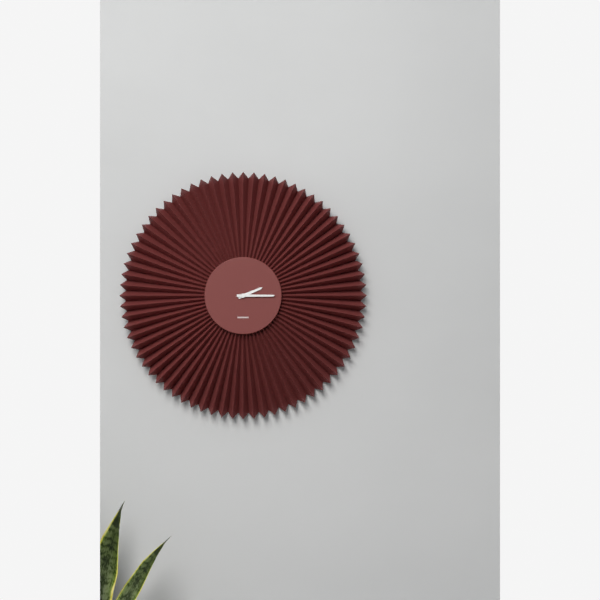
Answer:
2:15
